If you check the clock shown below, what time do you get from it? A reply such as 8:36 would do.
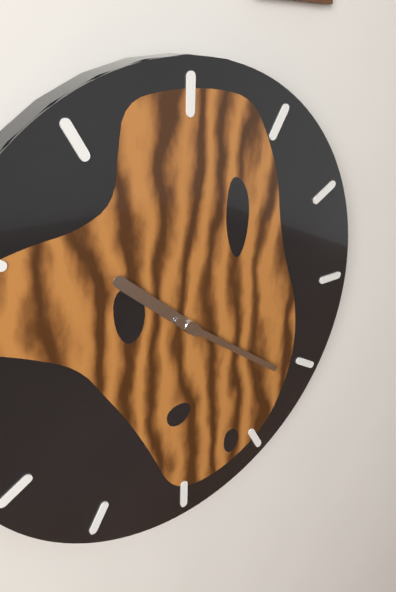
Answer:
10:21
